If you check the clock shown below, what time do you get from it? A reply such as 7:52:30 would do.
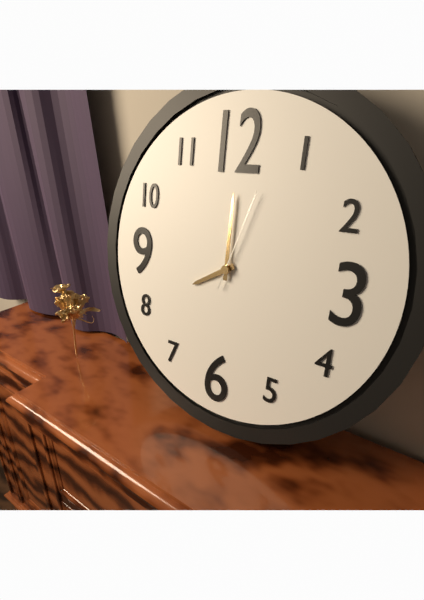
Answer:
8:00:03
